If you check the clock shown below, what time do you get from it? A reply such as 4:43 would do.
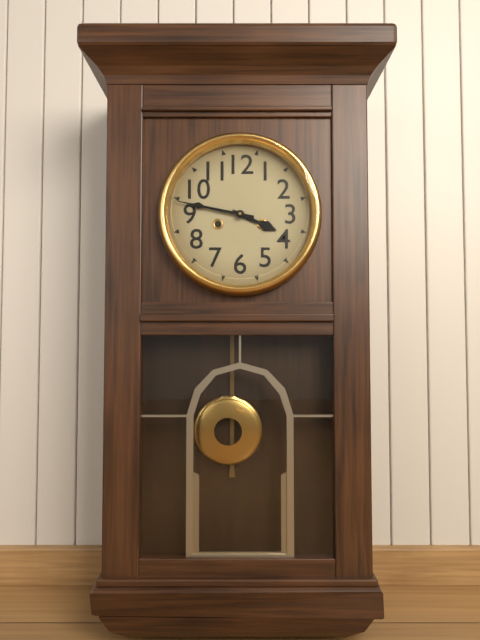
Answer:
3:47
